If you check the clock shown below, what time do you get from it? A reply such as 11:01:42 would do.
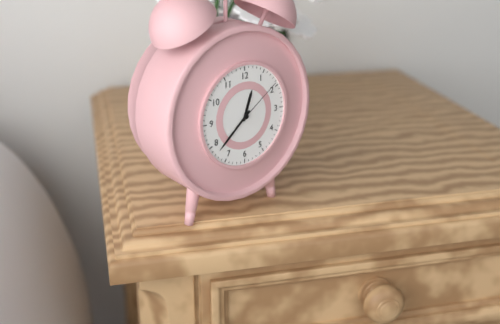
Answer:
12:38:09
